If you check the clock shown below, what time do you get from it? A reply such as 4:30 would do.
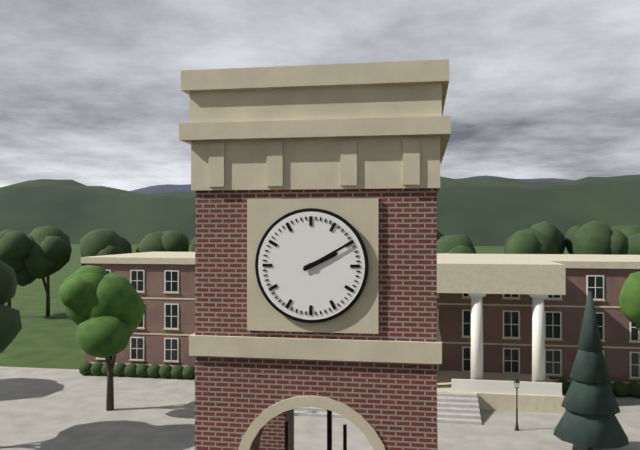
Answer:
2:10
